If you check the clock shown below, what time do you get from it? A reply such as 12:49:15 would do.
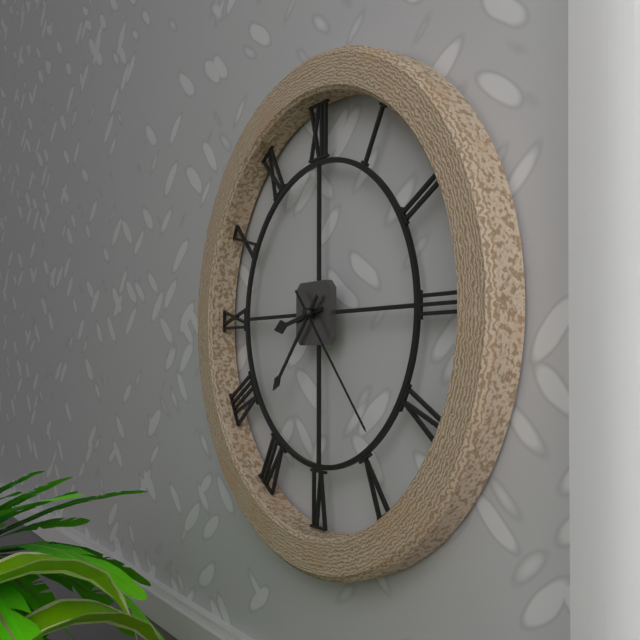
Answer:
8:37:23
